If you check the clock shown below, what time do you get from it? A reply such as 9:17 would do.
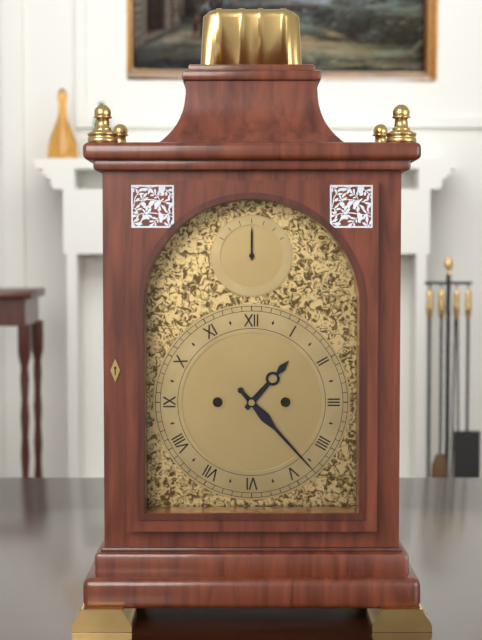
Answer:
1:23
